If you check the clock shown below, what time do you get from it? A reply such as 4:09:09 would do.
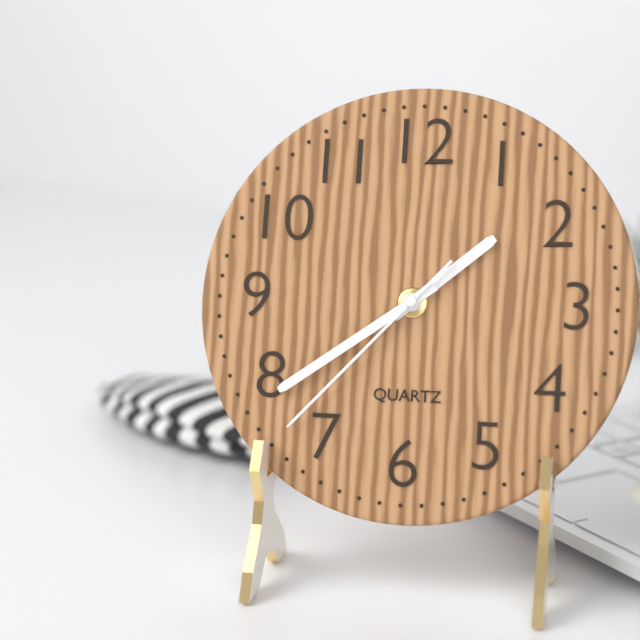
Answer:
1:39:37
